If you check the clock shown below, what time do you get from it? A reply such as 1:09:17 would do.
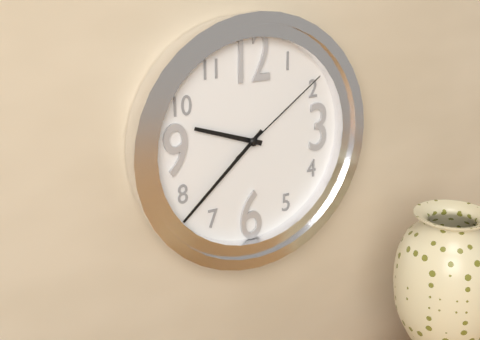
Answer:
9:38:09
